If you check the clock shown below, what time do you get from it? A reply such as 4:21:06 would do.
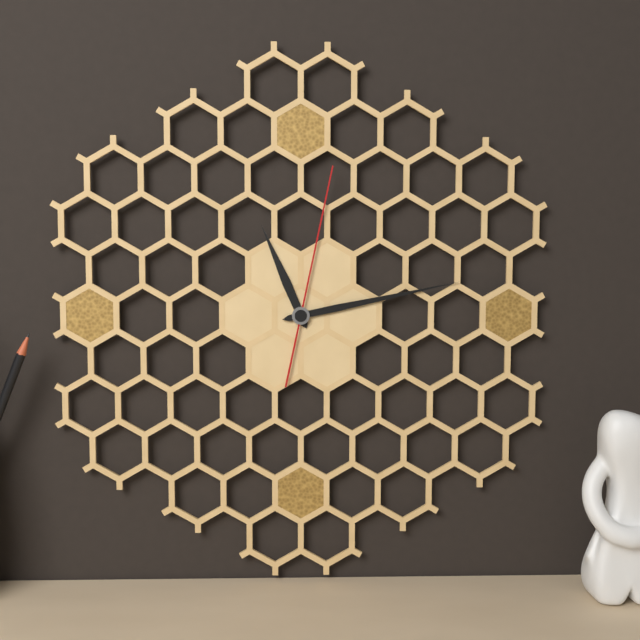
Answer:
11:13:02
